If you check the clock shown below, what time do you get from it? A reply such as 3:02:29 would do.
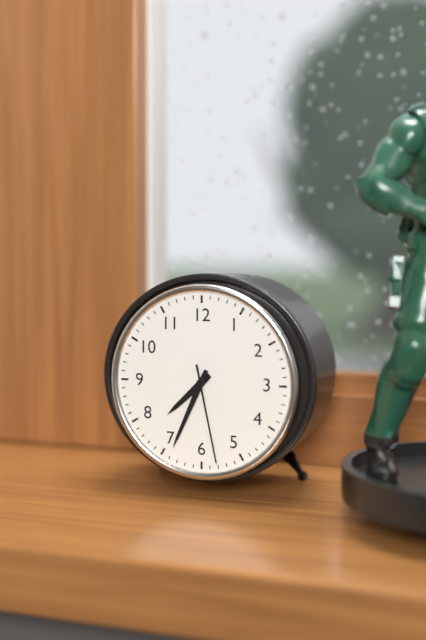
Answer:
7:34:28
